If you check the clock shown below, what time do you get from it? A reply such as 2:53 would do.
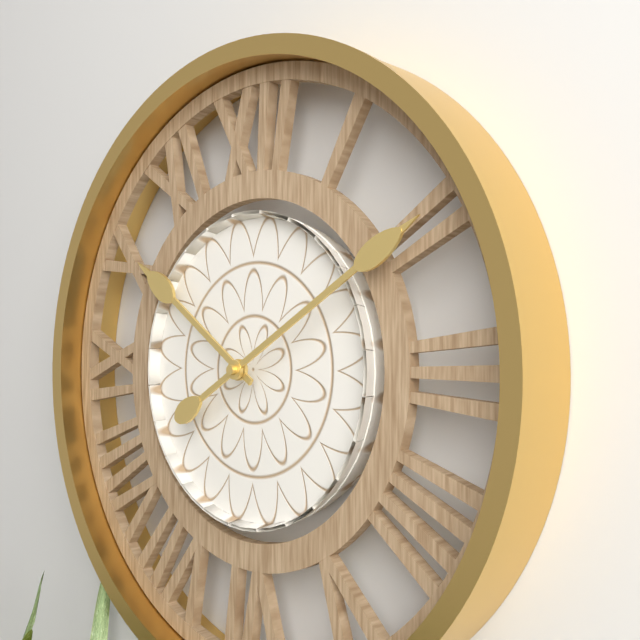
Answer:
10:10
